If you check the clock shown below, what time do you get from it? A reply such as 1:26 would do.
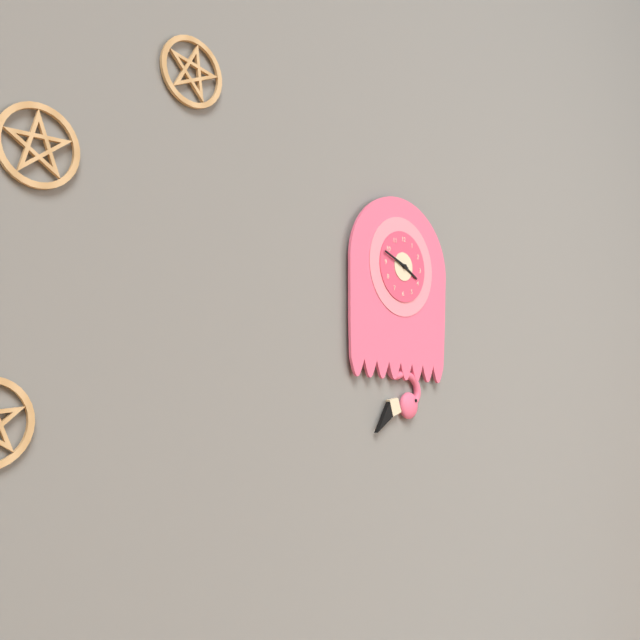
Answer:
3:48
